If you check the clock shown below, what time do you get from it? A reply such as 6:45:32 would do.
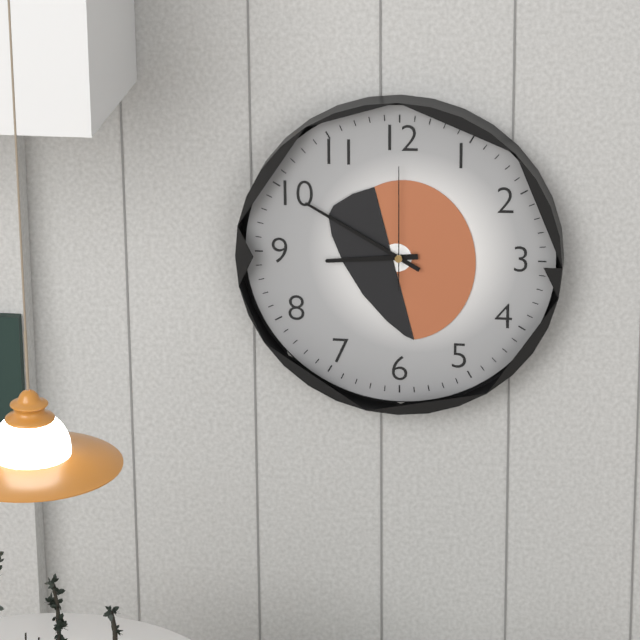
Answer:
8:50:00
